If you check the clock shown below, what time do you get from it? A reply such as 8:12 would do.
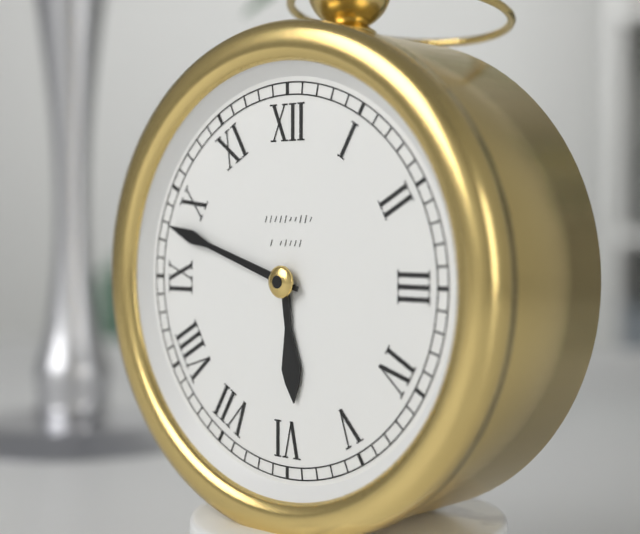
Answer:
5:48
